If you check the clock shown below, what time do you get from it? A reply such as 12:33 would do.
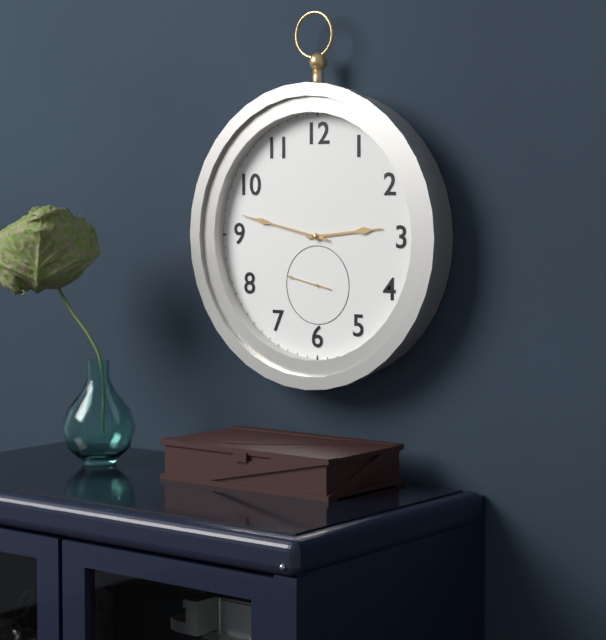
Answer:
2:47
